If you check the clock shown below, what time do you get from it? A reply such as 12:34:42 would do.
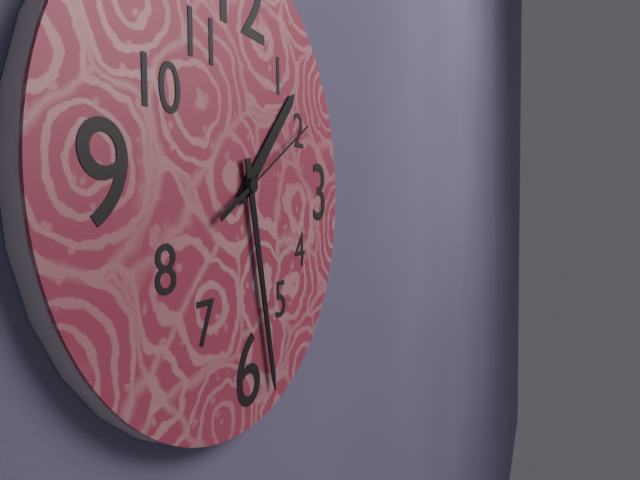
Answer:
1:28:10
